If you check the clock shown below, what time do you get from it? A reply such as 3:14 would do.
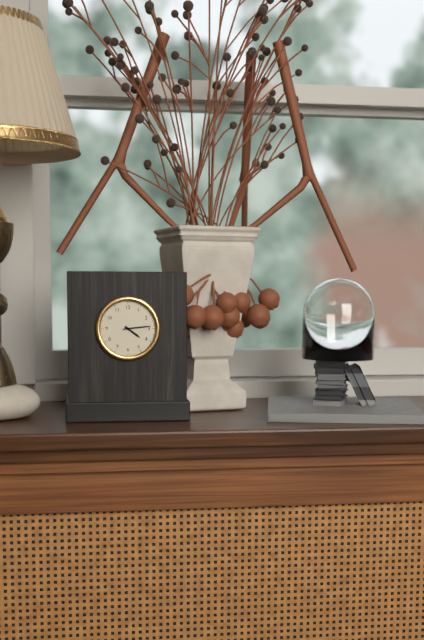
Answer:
4:14
